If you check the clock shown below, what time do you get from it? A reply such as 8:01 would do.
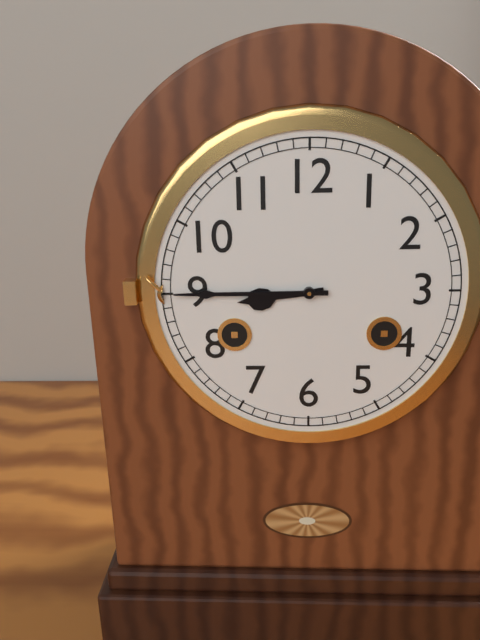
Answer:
8:45
